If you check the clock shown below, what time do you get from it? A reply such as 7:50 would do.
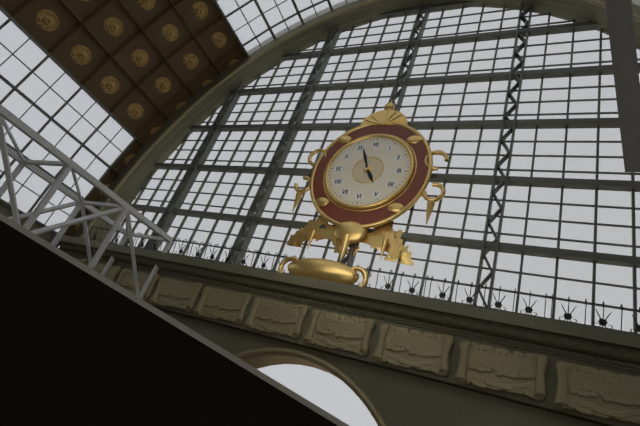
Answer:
4:56
